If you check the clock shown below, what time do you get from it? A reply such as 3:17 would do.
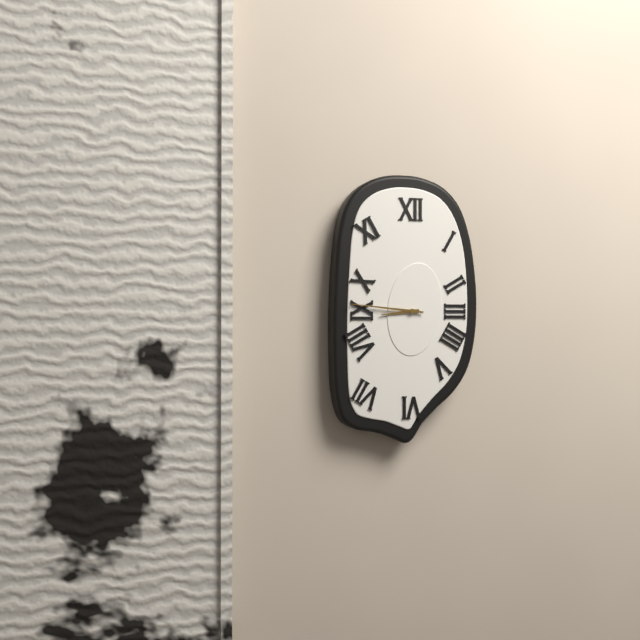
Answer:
8:46
